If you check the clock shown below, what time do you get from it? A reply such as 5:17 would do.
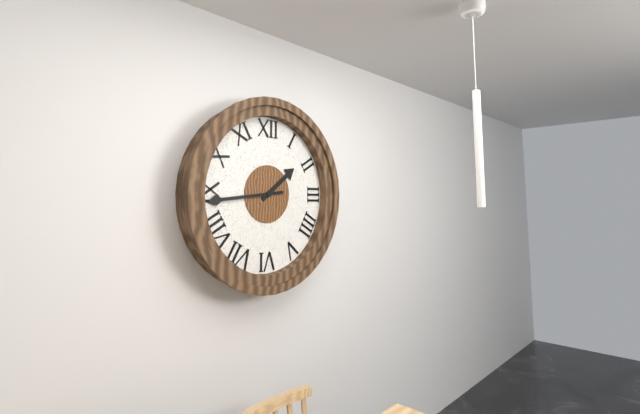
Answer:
1:44
